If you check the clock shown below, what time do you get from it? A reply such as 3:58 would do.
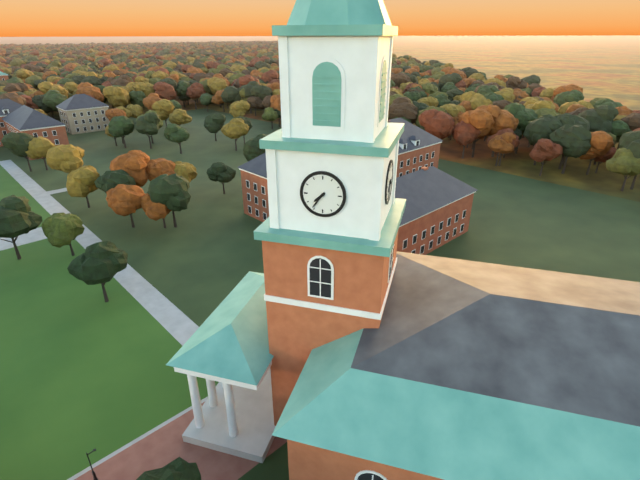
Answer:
7:36
